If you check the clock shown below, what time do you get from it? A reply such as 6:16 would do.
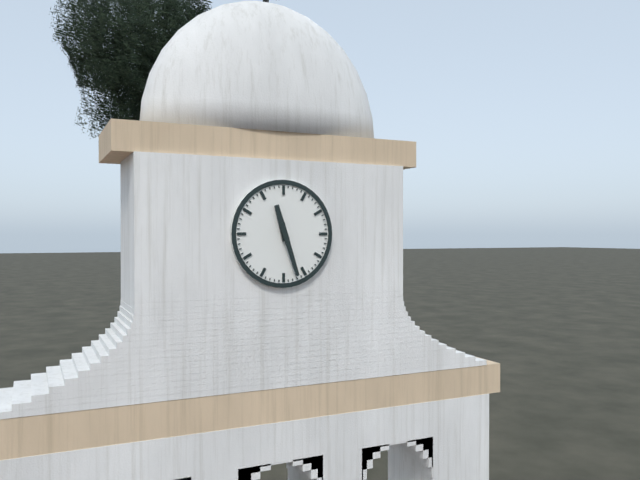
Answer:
11:27
